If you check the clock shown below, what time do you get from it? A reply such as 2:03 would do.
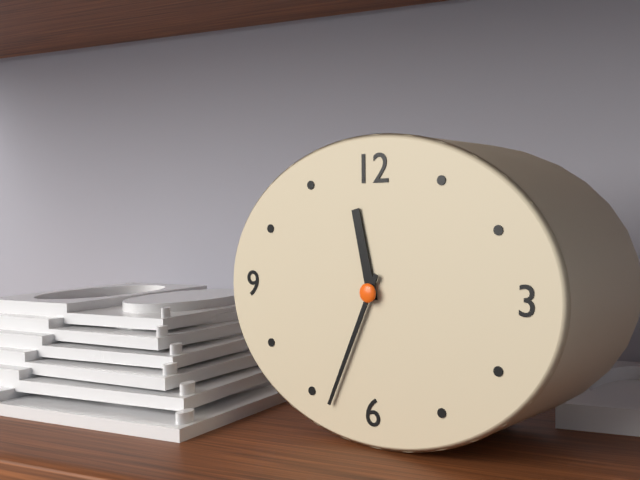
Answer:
11:34
